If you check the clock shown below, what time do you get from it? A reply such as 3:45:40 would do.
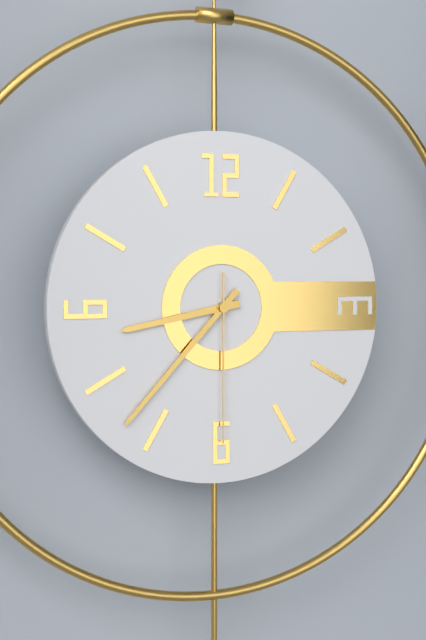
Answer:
8:37:30
